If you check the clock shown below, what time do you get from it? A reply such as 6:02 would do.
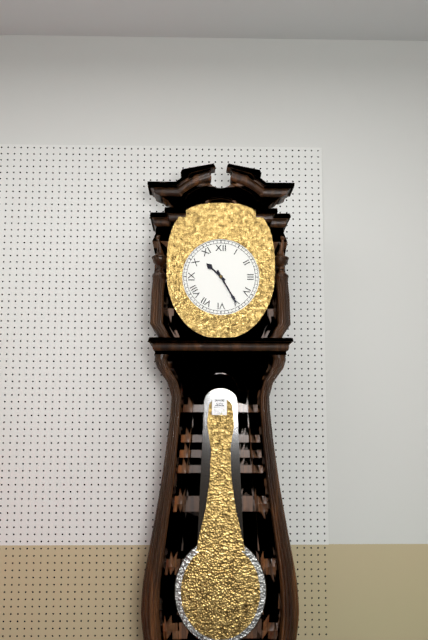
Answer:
10:25
